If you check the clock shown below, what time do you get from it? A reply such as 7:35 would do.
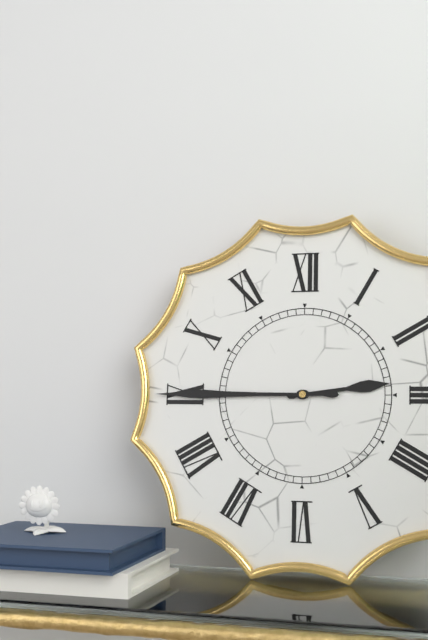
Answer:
2:45
